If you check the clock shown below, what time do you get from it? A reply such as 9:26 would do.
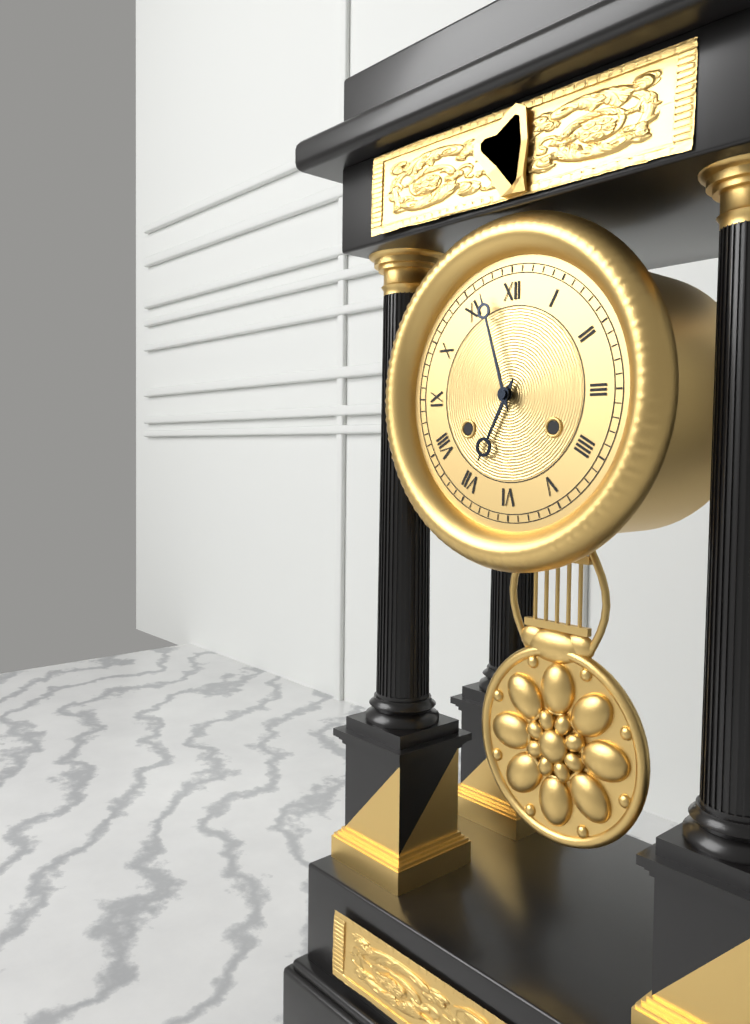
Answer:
6:57
